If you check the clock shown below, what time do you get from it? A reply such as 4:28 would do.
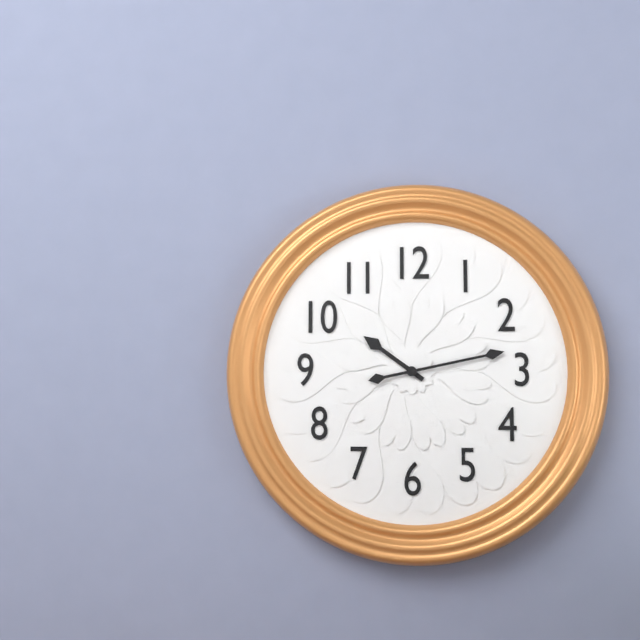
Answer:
10:13
